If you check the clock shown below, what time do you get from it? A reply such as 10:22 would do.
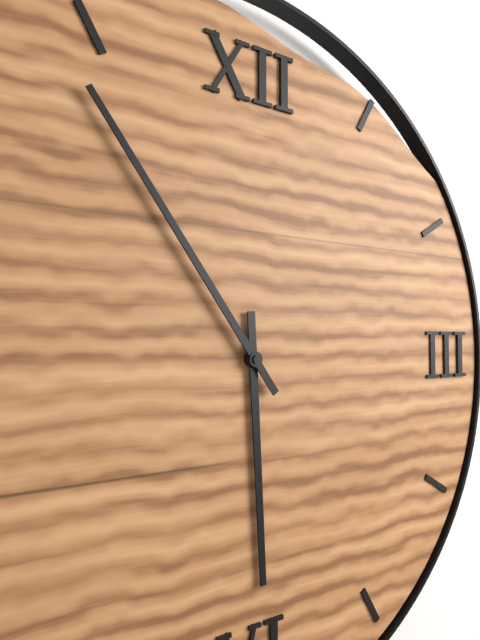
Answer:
5:54
